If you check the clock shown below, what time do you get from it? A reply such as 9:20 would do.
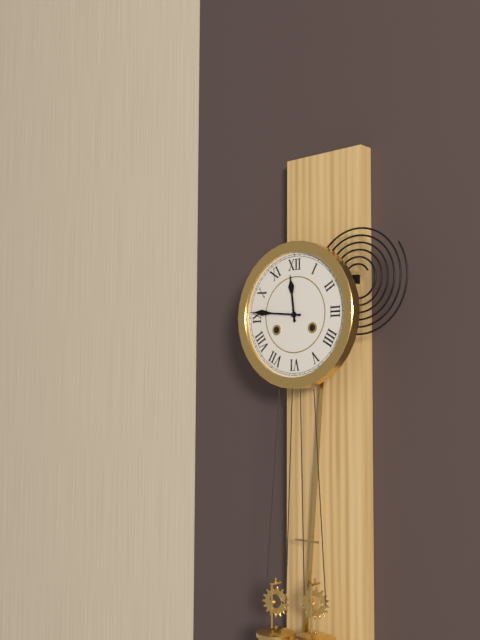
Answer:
11:46
